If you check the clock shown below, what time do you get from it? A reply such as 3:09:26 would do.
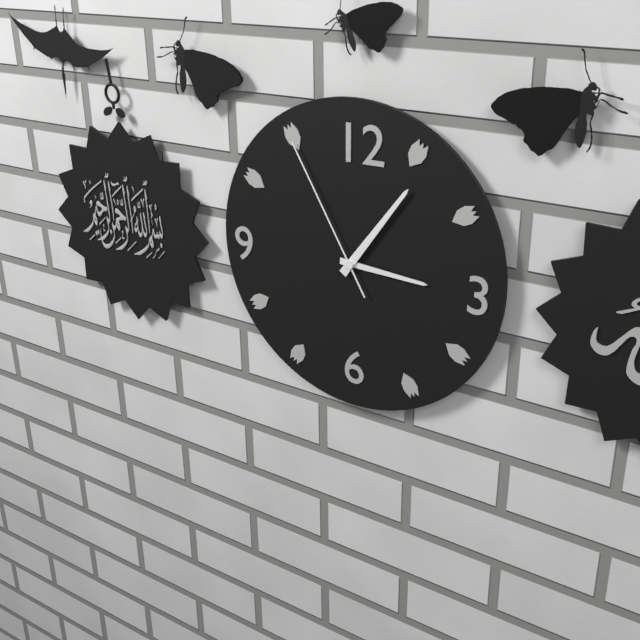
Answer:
3:06:55
